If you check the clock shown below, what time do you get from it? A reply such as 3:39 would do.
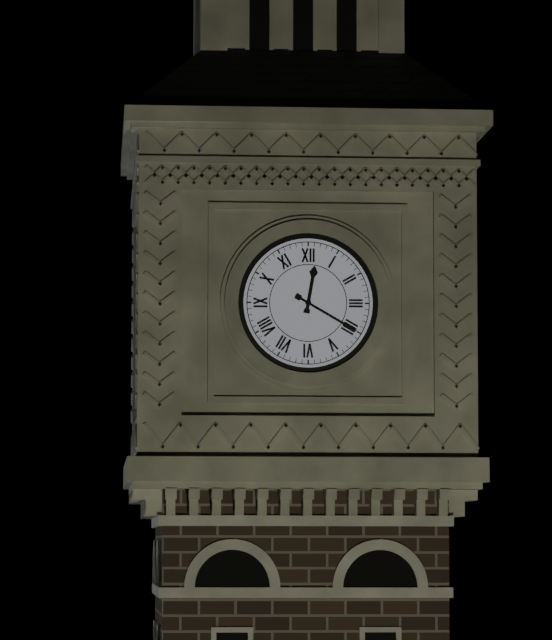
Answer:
12:20
